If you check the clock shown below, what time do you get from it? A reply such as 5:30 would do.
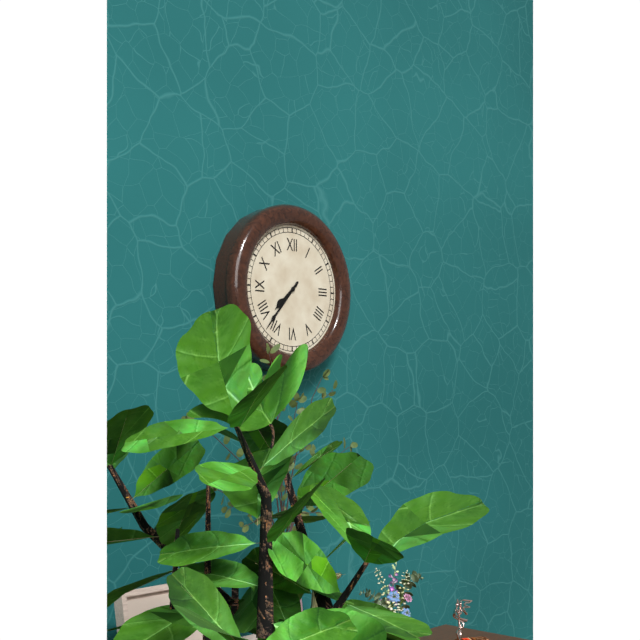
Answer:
7:37
